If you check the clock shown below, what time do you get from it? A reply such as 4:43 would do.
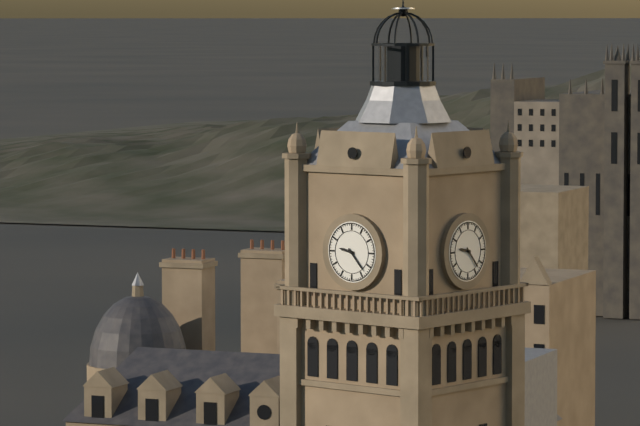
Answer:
9:23
